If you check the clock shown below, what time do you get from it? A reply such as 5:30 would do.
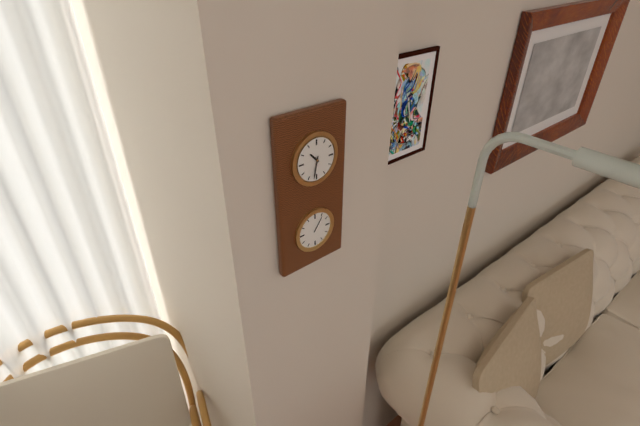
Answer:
10:32
